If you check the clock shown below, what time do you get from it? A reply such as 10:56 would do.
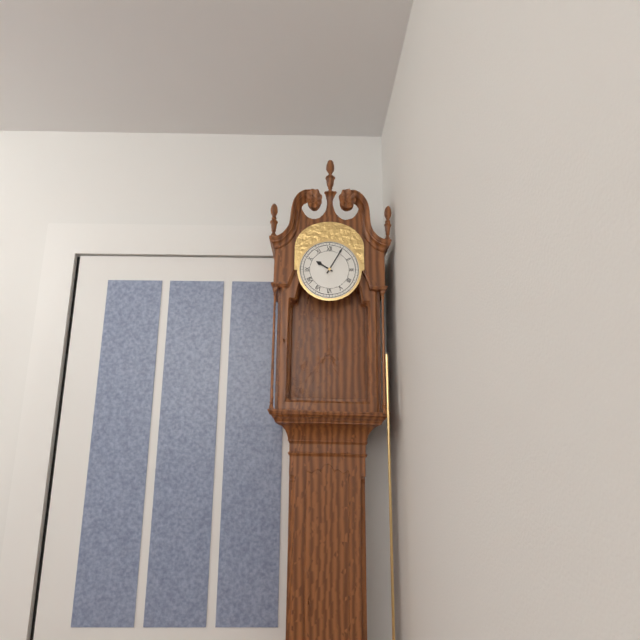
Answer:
10:05
